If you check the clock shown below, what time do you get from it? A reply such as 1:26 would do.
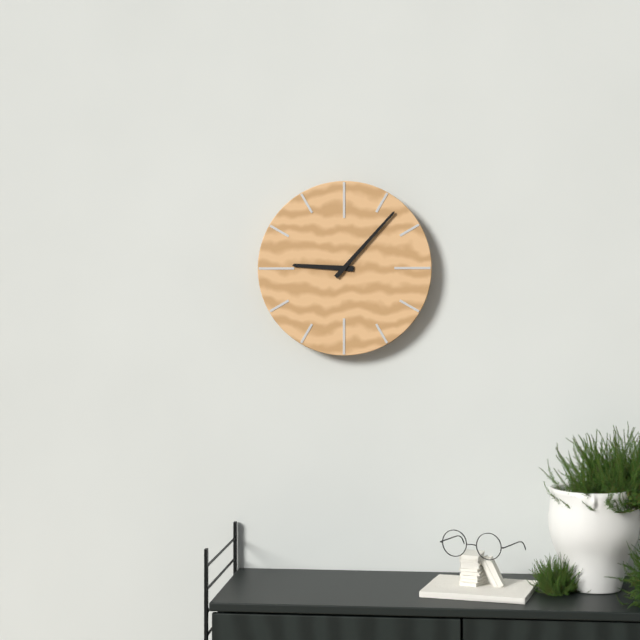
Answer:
9:07
